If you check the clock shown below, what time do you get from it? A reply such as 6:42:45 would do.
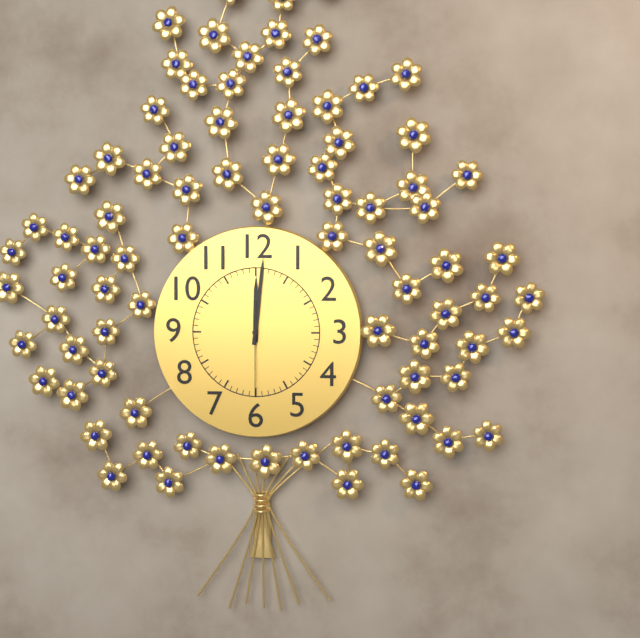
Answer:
12:01:30
